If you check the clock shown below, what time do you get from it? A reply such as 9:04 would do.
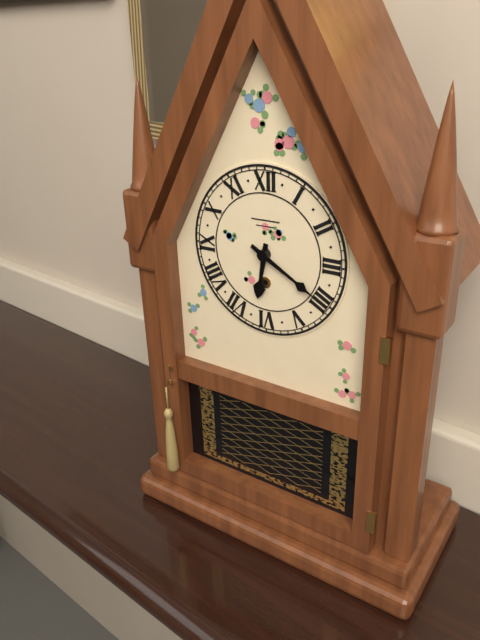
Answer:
6:20
